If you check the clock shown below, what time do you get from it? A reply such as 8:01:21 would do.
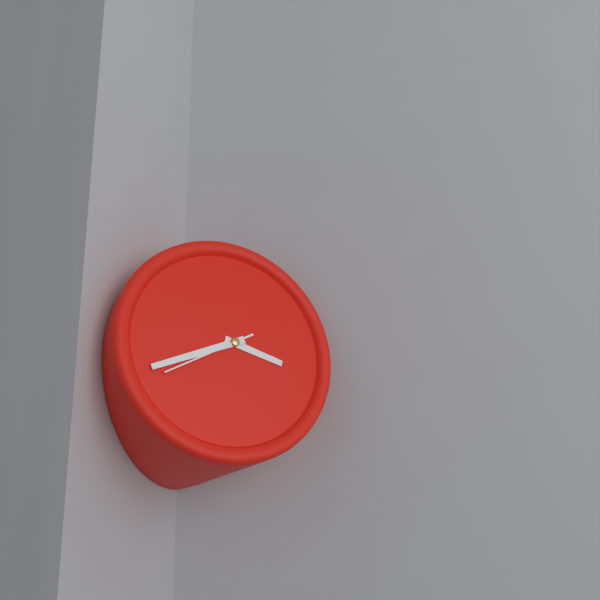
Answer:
3:42:41
